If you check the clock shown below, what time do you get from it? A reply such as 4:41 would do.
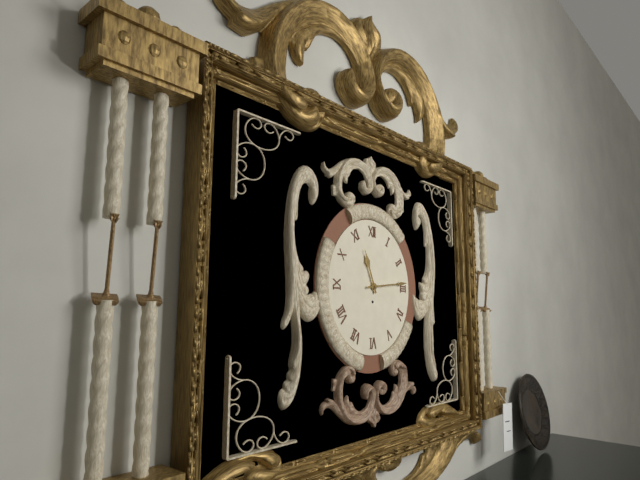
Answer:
11:14
